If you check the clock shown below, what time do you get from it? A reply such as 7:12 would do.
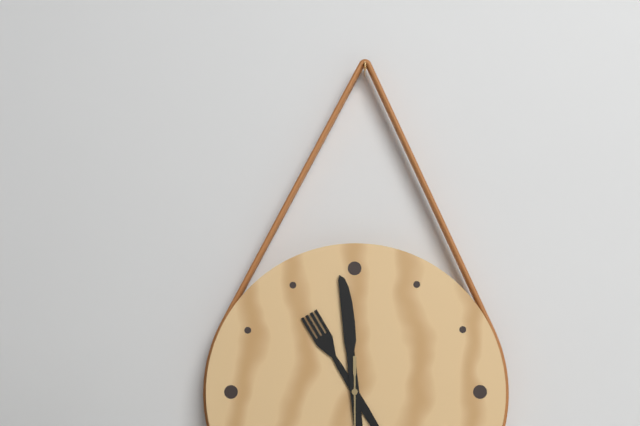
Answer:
10:59
